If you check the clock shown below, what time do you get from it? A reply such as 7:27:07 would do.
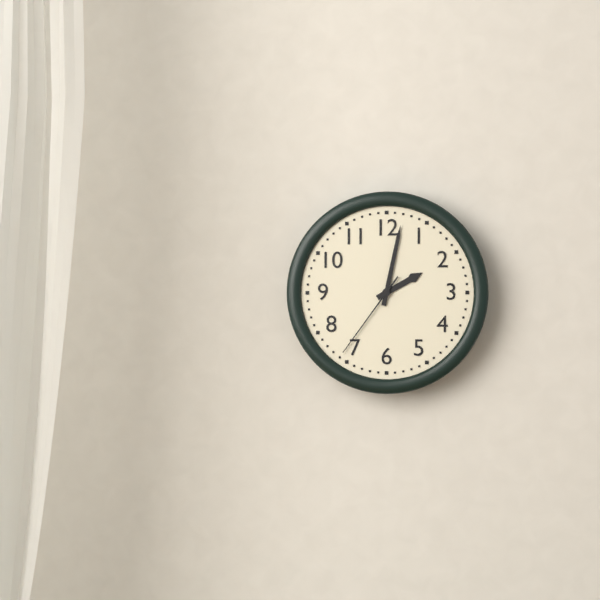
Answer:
2:02:36
